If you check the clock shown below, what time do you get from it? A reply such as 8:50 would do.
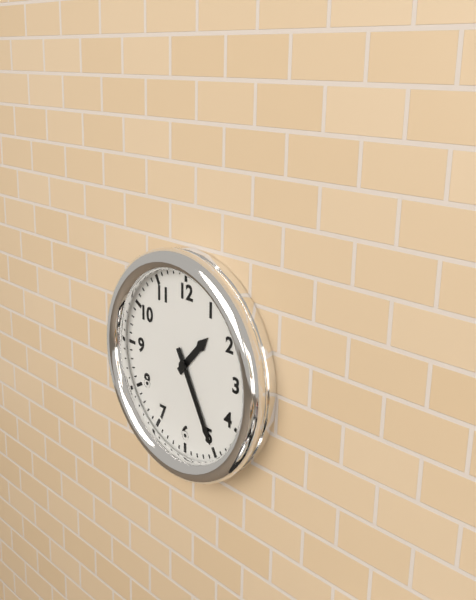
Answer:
1:25
